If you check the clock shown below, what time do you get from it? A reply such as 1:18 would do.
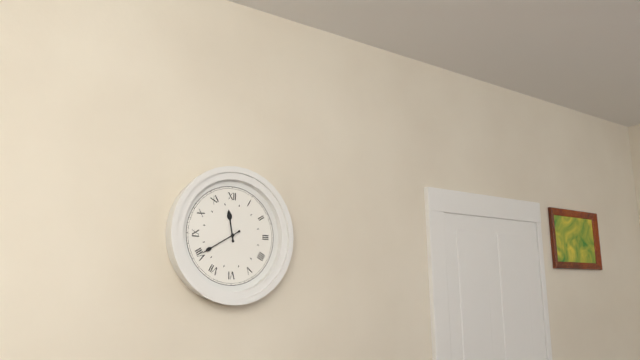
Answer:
11:40
